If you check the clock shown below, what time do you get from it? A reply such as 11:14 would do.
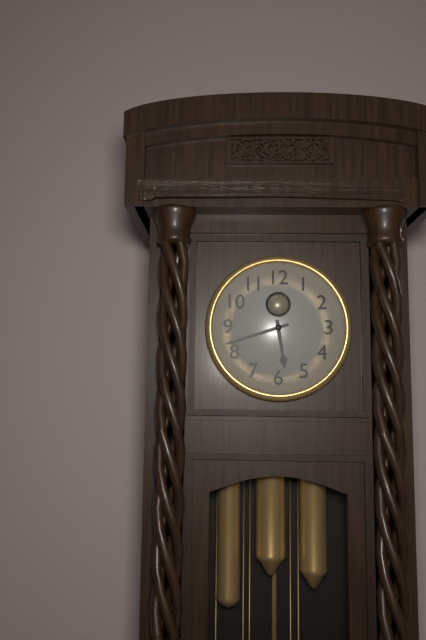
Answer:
5:42
